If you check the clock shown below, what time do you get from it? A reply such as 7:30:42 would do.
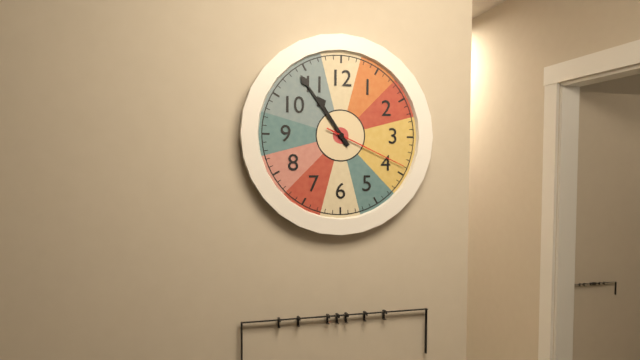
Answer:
10:54:19
